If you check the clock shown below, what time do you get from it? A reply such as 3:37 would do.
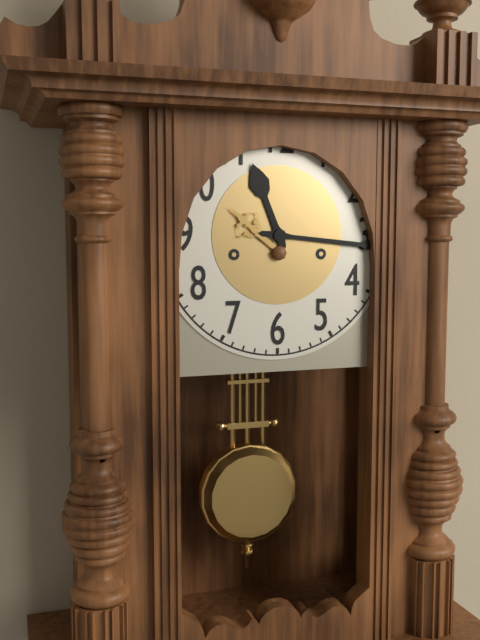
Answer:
11:16
